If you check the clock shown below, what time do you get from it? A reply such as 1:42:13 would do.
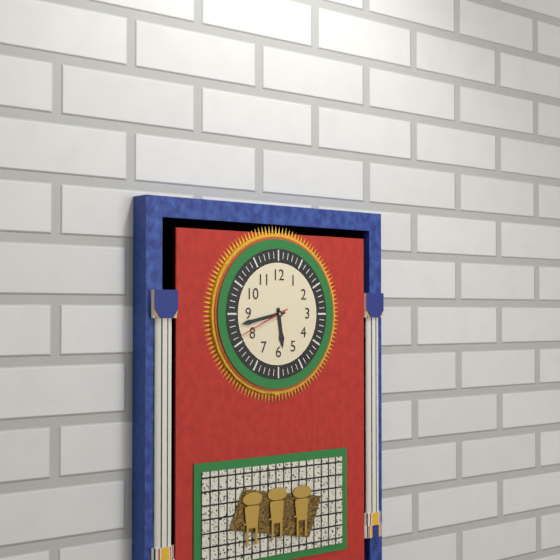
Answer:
5:43:41
